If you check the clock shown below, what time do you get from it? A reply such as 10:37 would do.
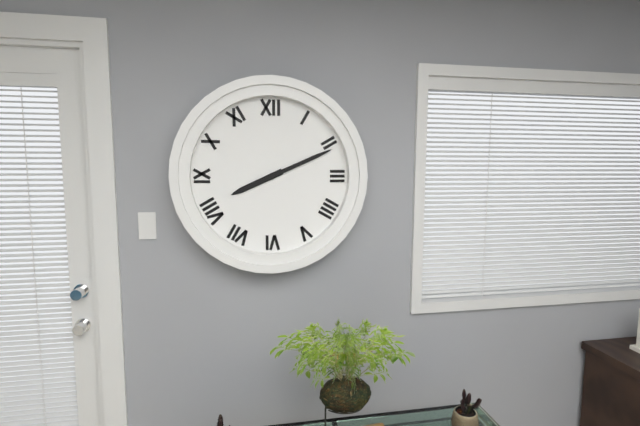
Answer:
8:11
